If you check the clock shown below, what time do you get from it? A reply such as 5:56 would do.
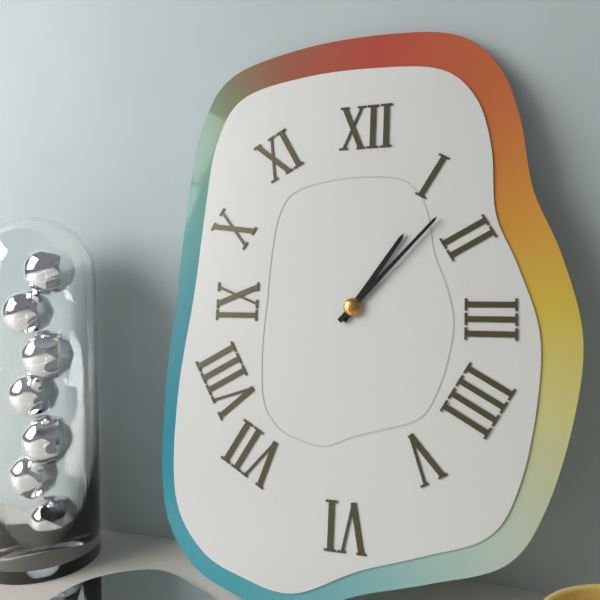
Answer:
1:07
